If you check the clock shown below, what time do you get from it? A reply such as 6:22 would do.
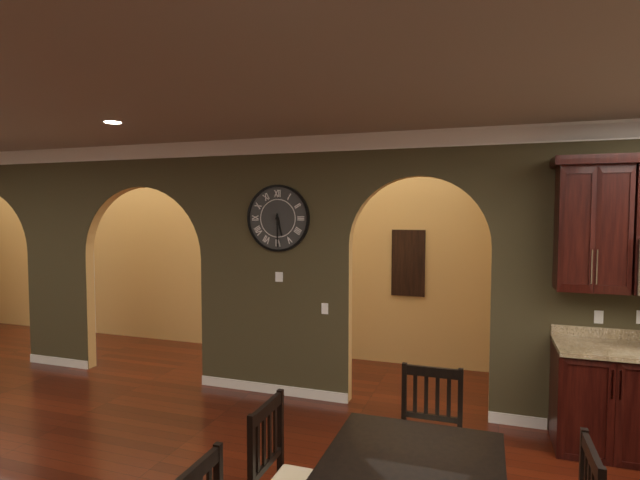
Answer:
5:30
